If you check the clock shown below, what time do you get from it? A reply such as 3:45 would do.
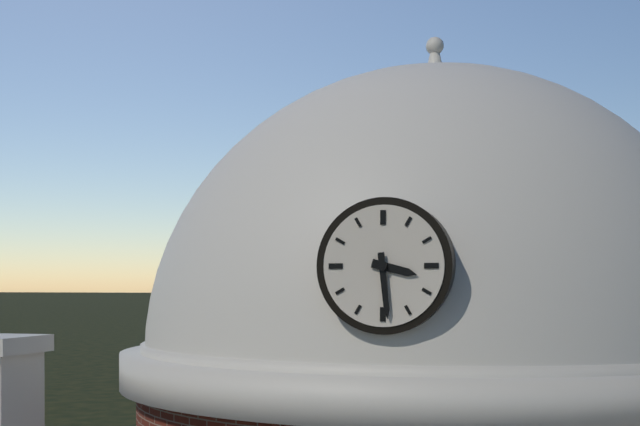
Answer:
3:29
